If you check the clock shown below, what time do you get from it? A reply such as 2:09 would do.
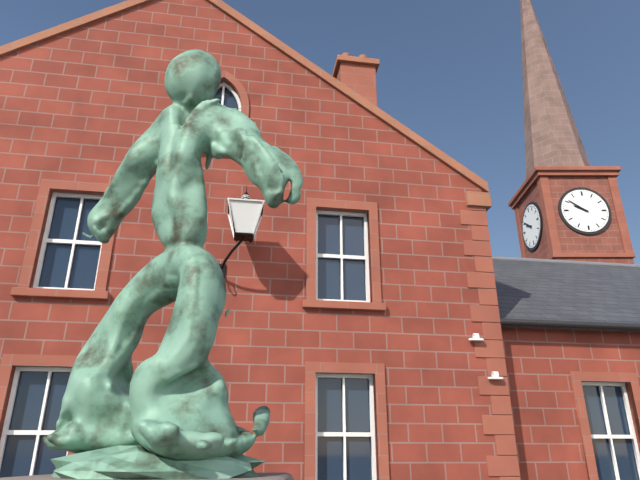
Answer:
9:51
